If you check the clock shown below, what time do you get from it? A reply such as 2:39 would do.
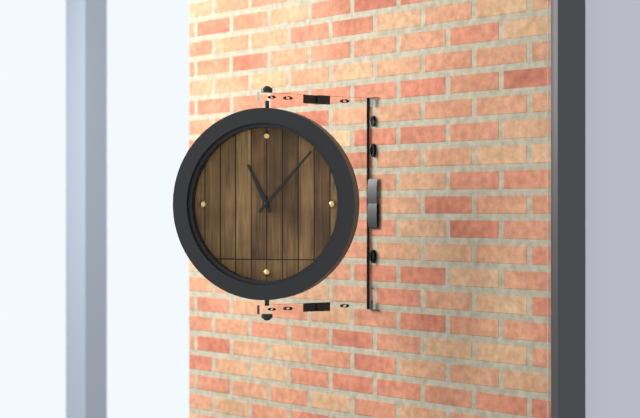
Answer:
11:07
